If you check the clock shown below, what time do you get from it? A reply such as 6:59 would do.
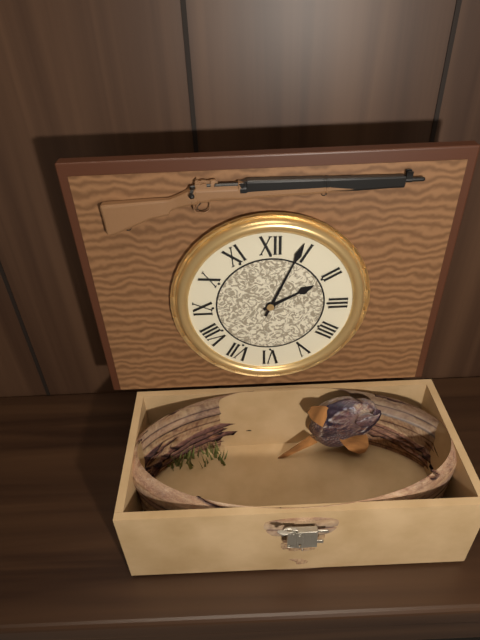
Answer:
2:04
